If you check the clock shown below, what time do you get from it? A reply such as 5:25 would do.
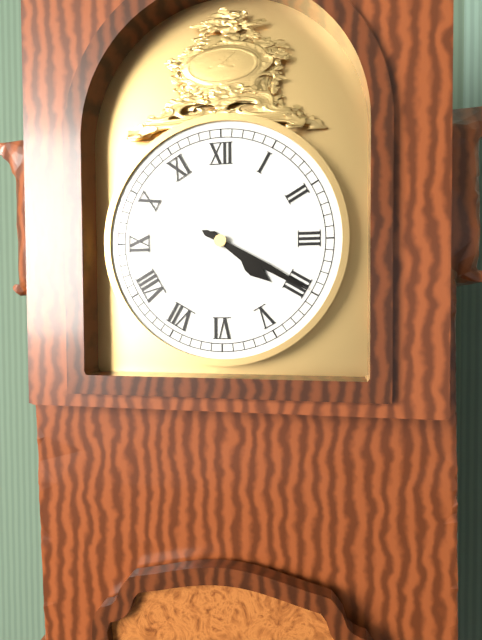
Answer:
4:20
